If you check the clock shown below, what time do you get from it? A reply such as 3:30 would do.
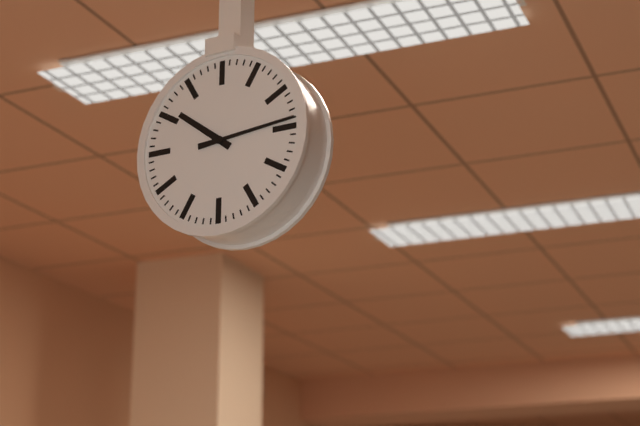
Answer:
10:14
